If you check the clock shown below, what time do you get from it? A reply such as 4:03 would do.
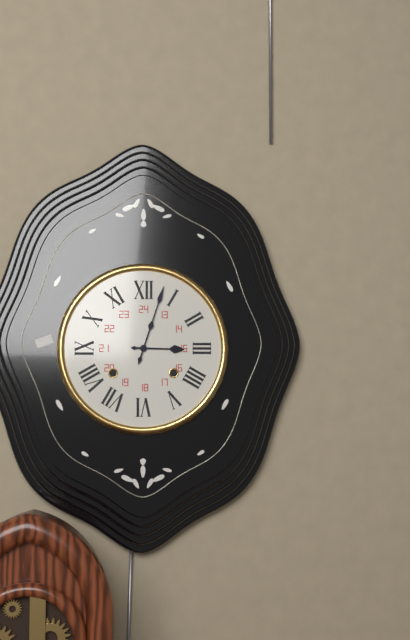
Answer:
3:03
